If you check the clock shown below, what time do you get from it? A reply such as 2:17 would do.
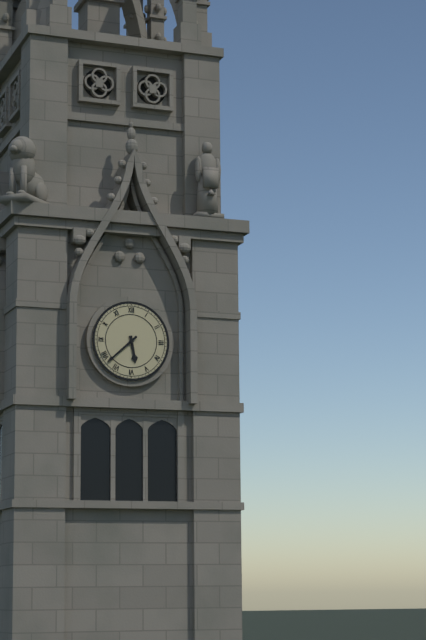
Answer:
5:38
